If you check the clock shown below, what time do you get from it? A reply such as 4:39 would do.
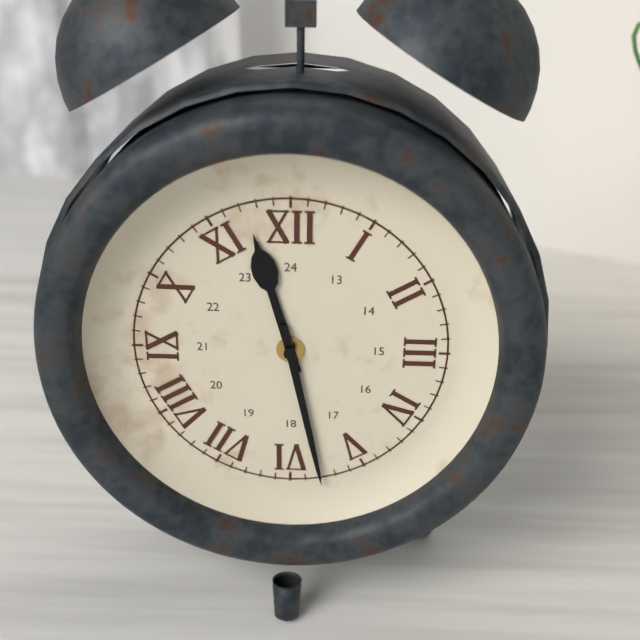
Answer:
11:28
